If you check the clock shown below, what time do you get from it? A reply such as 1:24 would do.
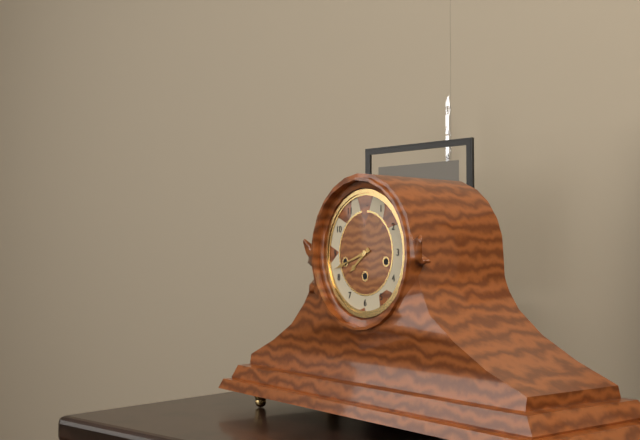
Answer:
7:42
